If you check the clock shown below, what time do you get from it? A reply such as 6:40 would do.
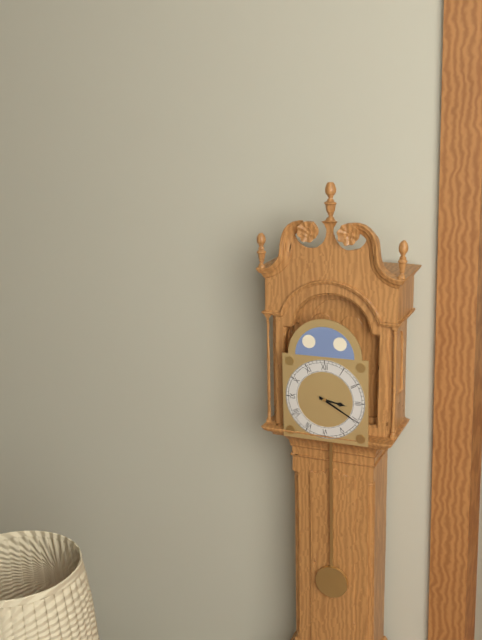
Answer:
3:20
